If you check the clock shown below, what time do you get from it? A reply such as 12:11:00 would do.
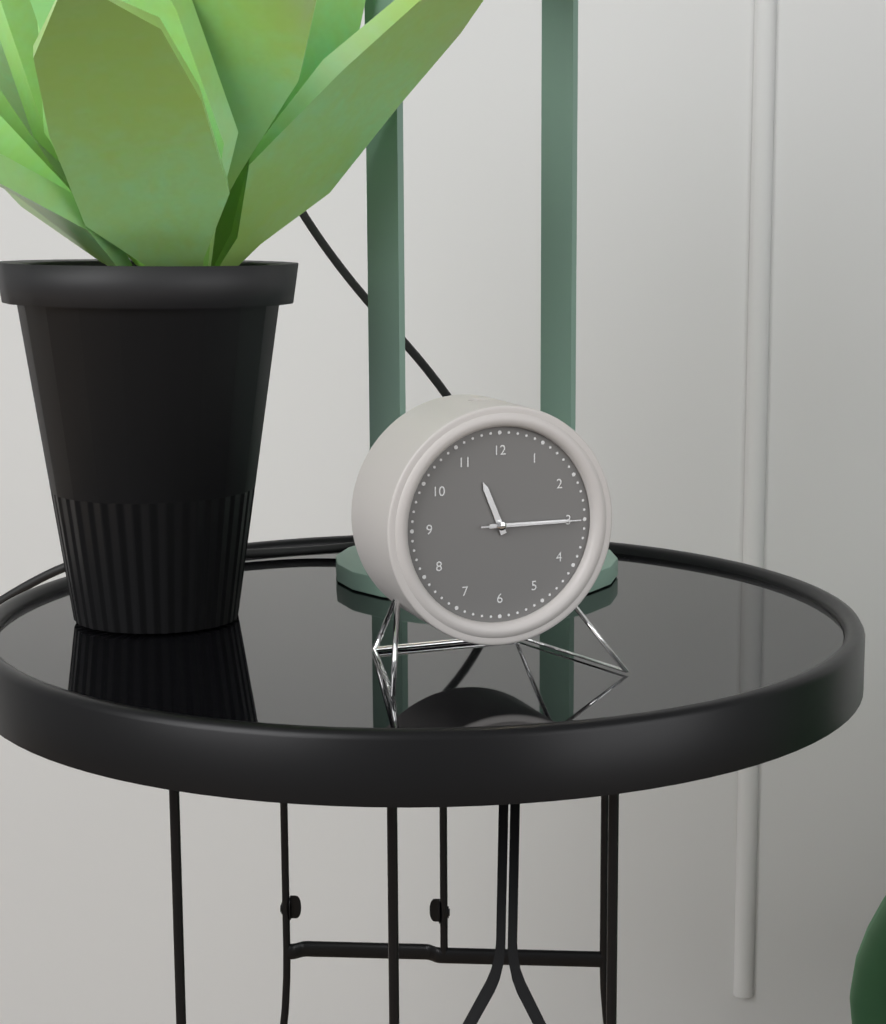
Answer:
11:15:15
